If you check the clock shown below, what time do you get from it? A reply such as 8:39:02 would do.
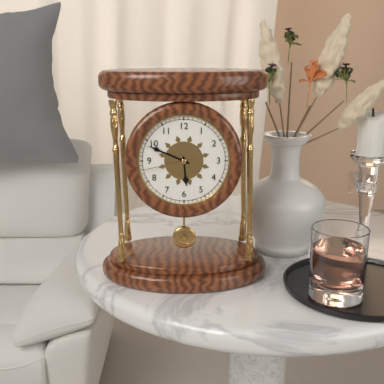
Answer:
5:49:43
